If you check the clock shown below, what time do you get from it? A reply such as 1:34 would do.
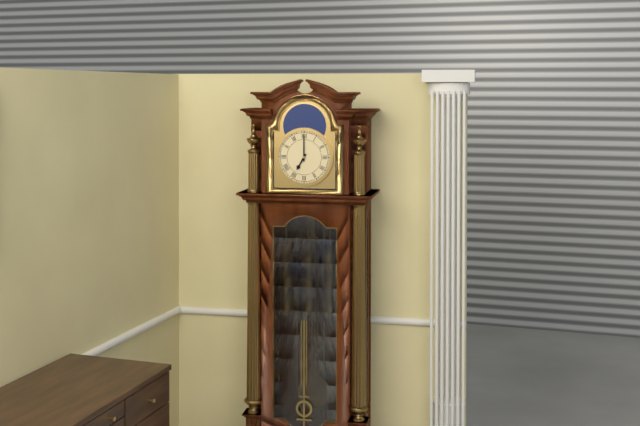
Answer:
7:00
